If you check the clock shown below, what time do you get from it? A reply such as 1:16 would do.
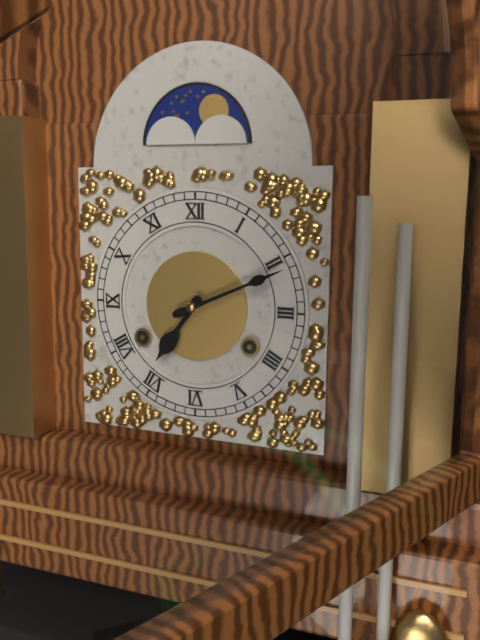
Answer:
7:11
